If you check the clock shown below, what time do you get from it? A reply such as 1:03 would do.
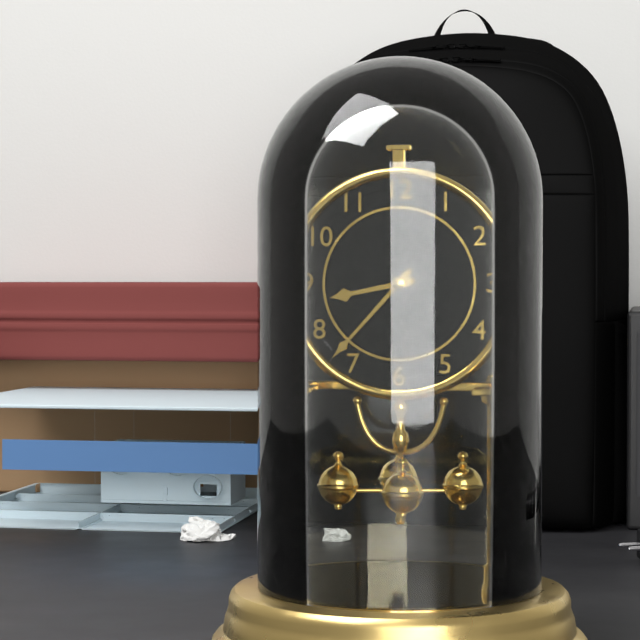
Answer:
8:37
